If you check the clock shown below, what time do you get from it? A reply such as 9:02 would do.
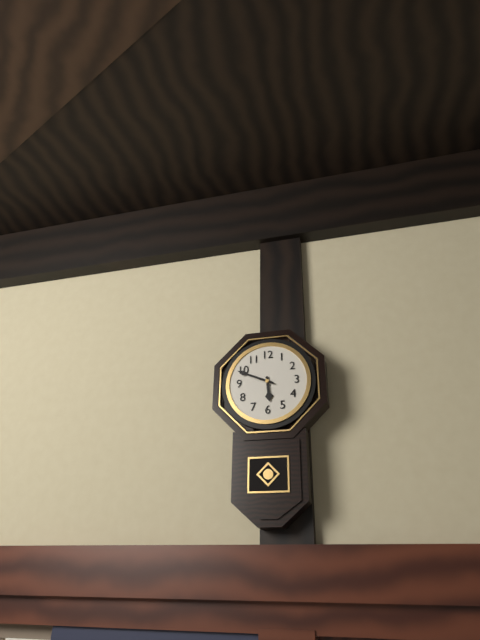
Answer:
5:49
